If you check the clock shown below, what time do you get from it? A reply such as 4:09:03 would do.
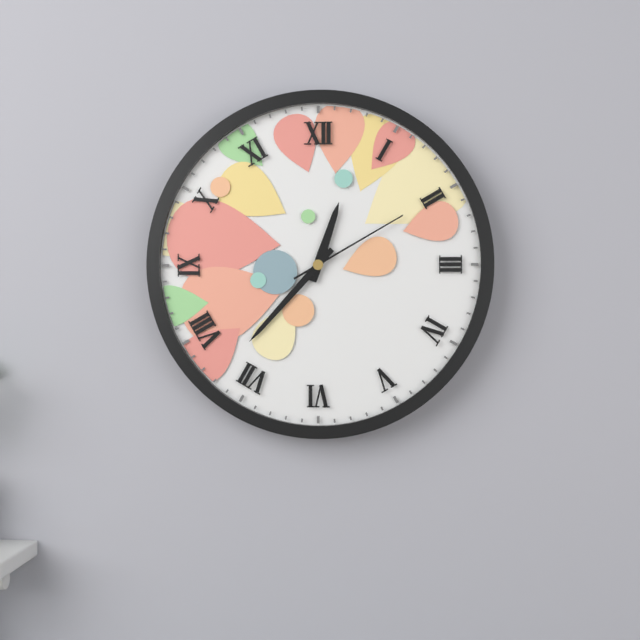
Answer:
12:37:10
